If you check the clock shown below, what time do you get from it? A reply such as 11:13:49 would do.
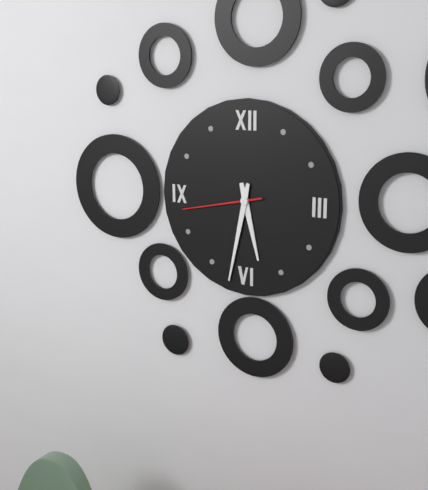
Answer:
5:32:43
